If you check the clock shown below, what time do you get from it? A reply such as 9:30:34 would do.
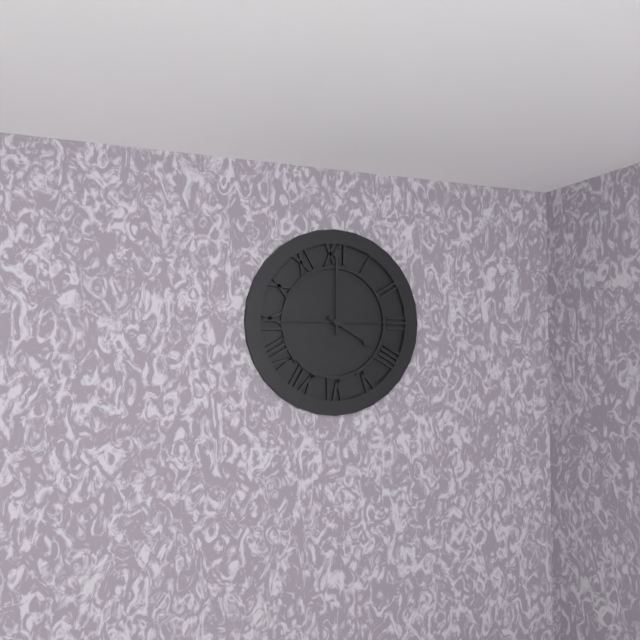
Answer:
4:00:45
